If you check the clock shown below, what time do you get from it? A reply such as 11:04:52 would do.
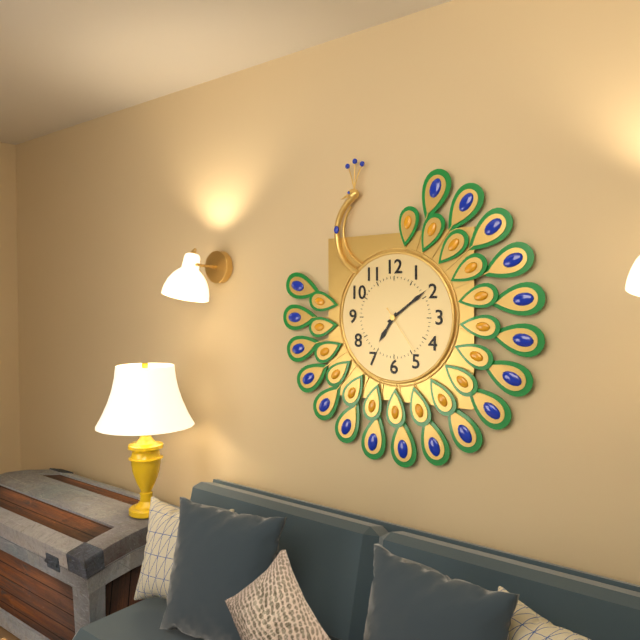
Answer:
7:09:24
